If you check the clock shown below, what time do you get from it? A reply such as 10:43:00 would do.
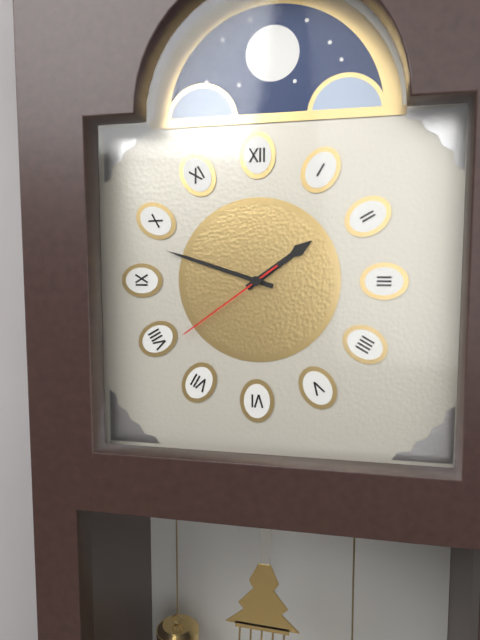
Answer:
1:48:39
